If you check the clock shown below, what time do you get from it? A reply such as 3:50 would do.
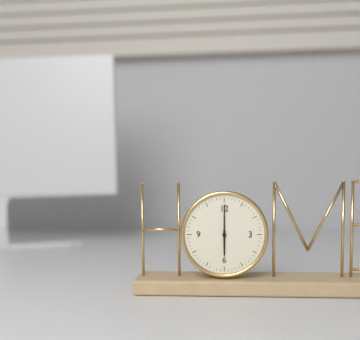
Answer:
6:00
